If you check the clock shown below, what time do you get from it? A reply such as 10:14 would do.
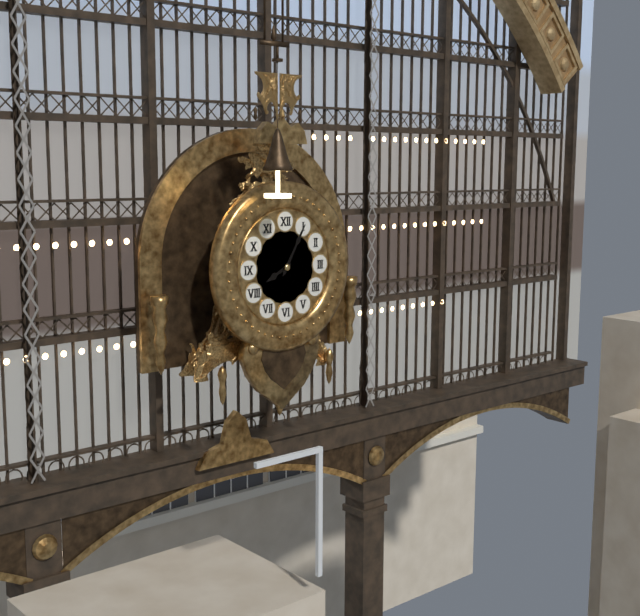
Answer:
8:05
